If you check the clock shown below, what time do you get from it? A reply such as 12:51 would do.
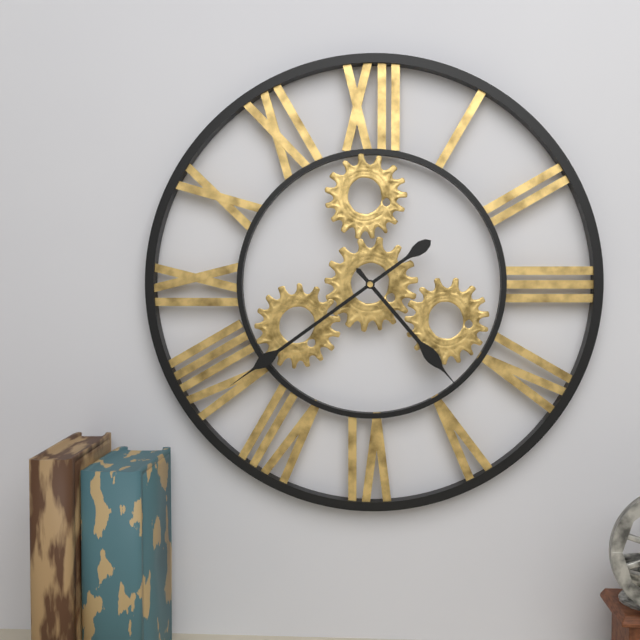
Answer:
4:39
